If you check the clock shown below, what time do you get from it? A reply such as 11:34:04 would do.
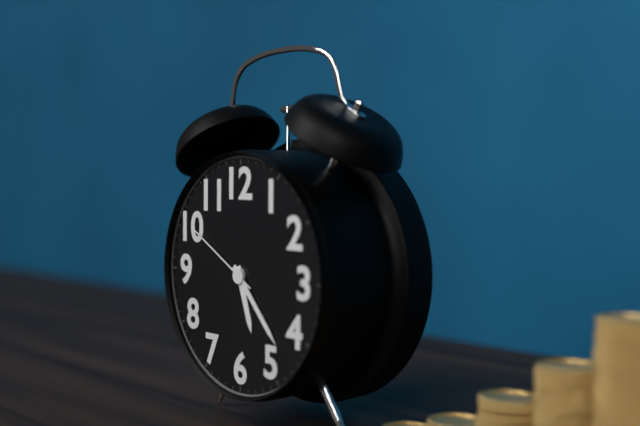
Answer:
5:23:50
